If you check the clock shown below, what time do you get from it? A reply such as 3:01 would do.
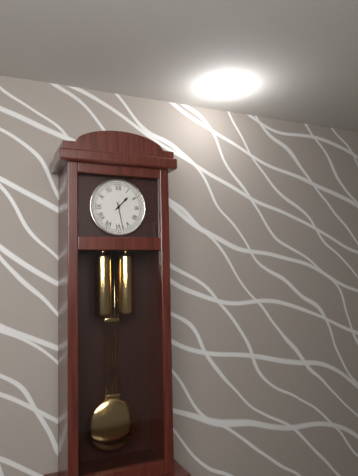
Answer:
1:28
